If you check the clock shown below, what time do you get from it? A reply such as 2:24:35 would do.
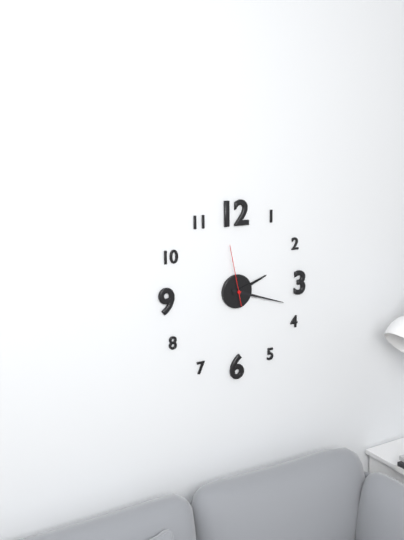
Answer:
2:18:58
